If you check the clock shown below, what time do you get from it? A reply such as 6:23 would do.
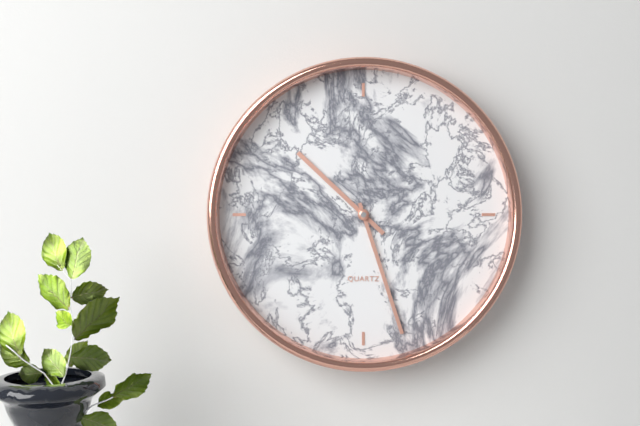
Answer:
10:27
